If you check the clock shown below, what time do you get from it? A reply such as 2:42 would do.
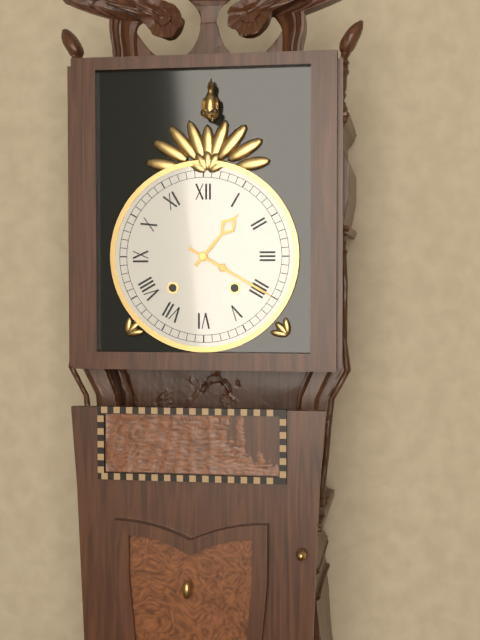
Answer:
1:20
